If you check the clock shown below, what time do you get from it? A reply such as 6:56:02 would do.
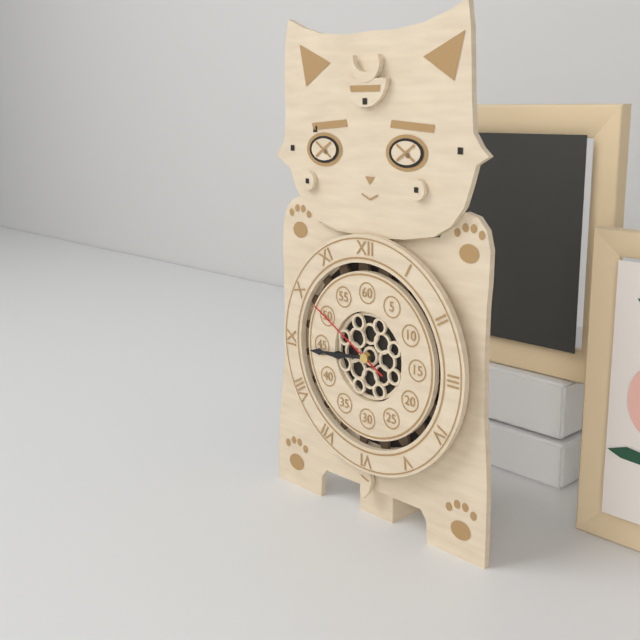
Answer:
8:44:50
